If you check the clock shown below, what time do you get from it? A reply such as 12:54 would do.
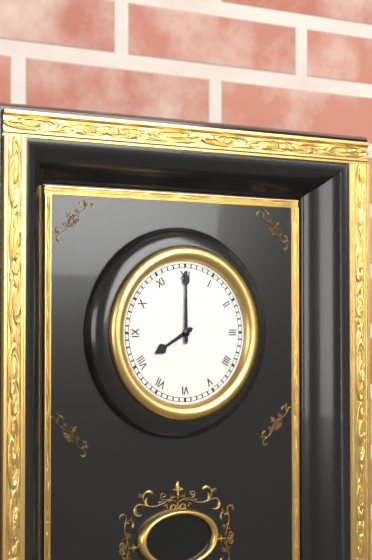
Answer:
8:00
